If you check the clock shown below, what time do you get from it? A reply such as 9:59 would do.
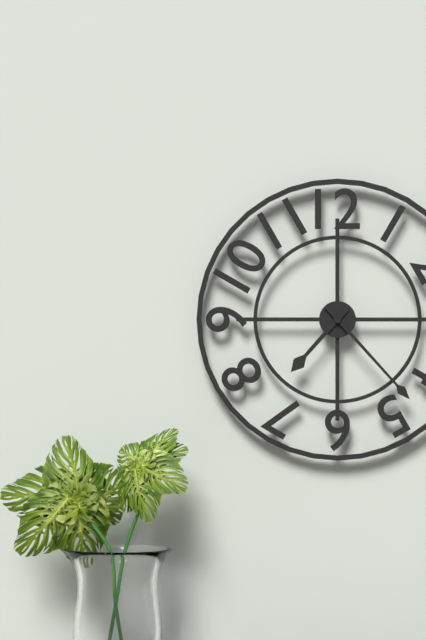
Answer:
7:23
